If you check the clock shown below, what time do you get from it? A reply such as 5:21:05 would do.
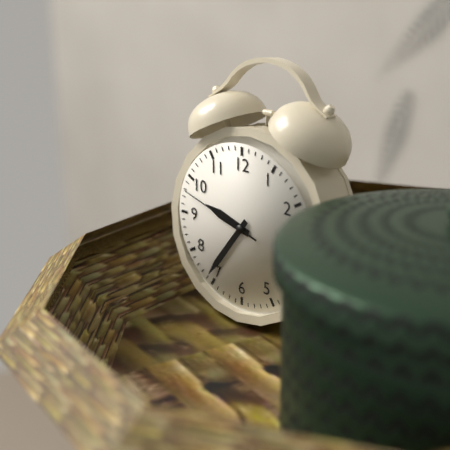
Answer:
9:36:48
